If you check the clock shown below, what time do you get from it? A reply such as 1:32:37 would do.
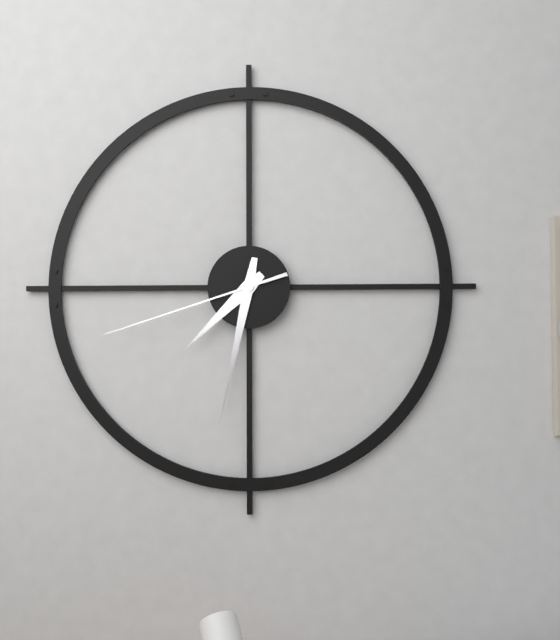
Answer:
7:32:42
